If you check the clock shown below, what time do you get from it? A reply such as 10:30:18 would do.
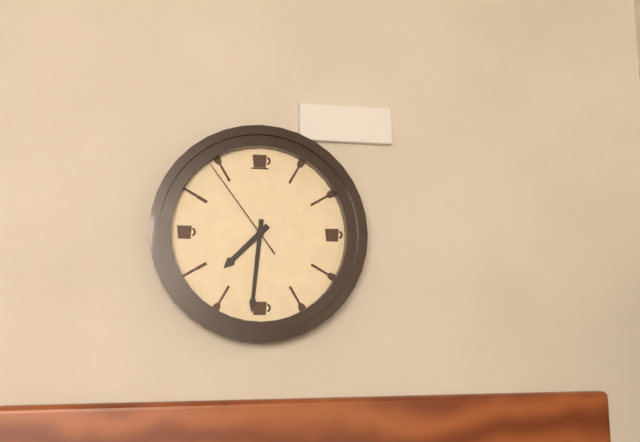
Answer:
7:31:54
